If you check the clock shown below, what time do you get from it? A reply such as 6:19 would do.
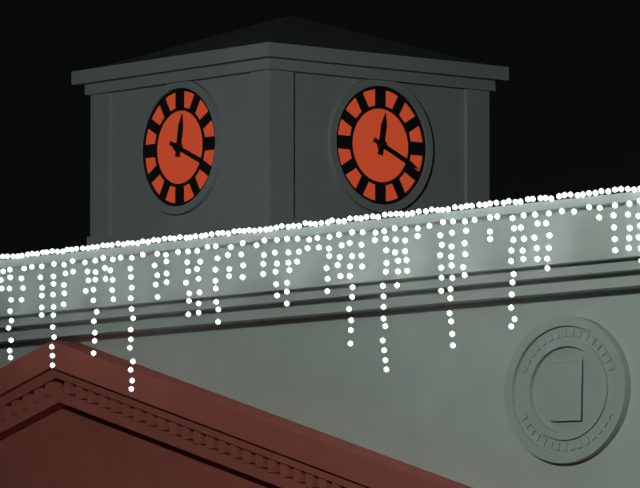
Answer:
12:19
